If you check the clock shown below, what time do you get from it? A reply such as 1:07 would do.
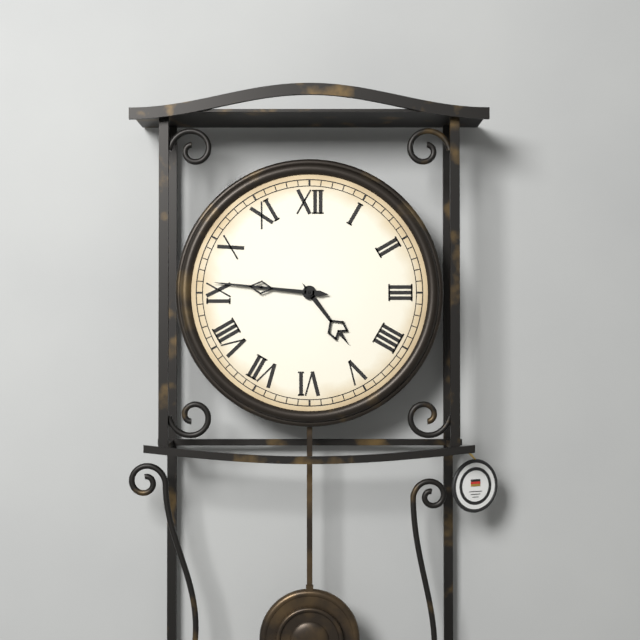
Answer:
4:46
